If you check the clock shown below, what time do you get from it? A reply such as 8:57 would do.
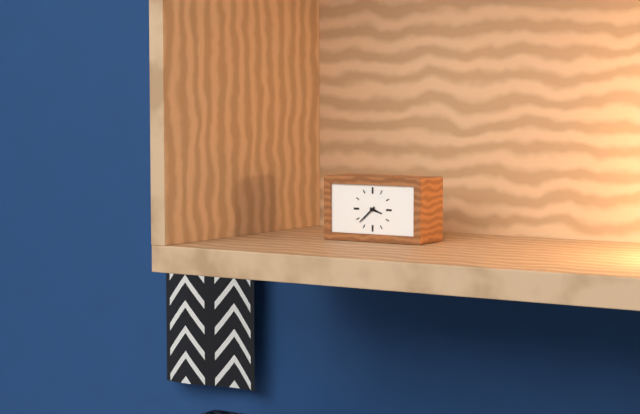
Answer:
3:38
